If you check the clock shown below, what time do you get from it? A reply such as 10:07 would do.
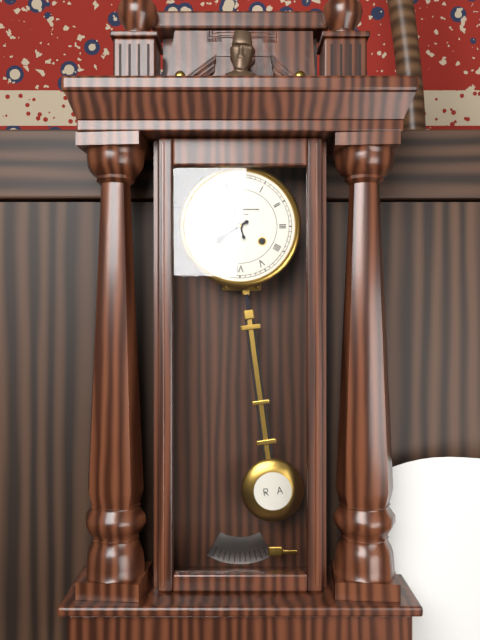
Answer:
7:57
